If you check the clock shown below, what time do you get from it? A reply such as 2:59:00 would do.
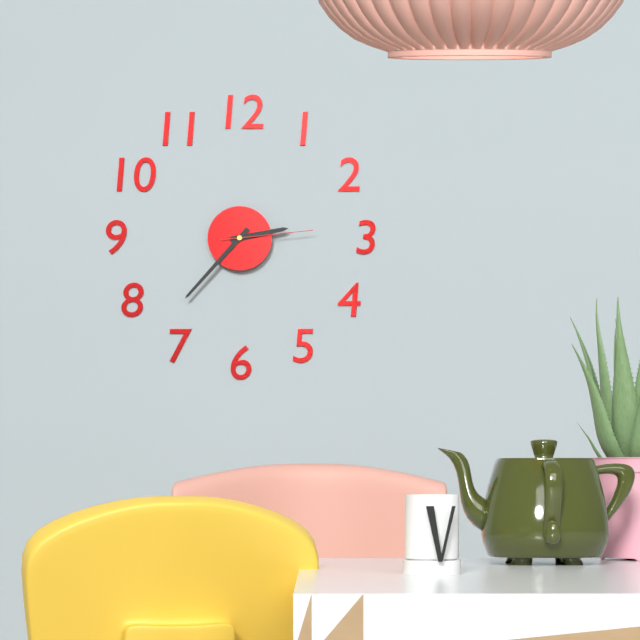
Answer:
2:37:14
